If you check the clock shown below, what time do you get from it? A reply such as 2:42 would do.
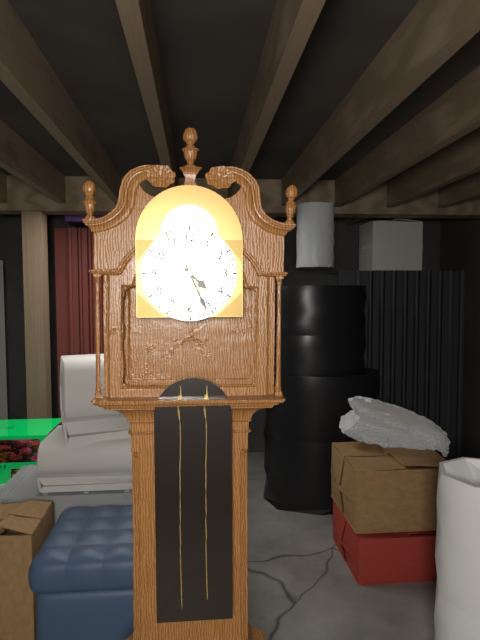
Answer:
4:26
